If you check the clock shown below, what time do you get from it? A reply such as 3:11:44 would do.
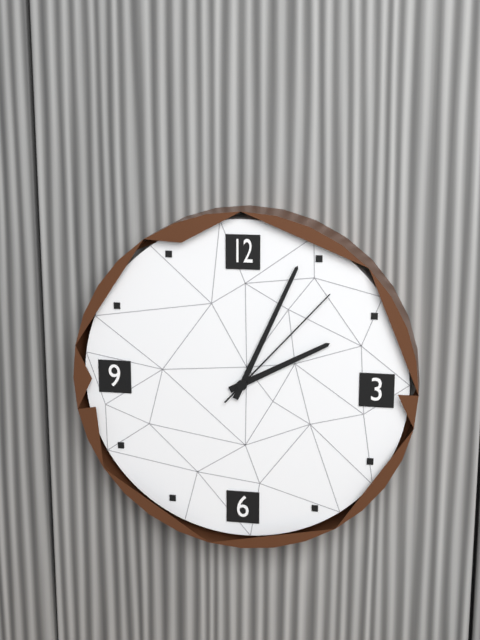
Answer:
2:04:07
